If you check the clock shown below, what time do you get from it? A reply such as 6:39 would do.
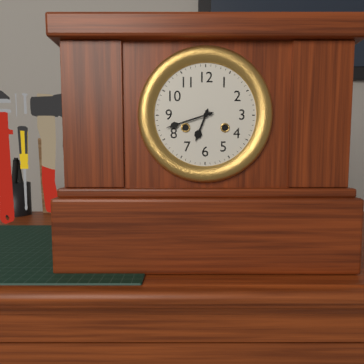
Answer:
6:42
